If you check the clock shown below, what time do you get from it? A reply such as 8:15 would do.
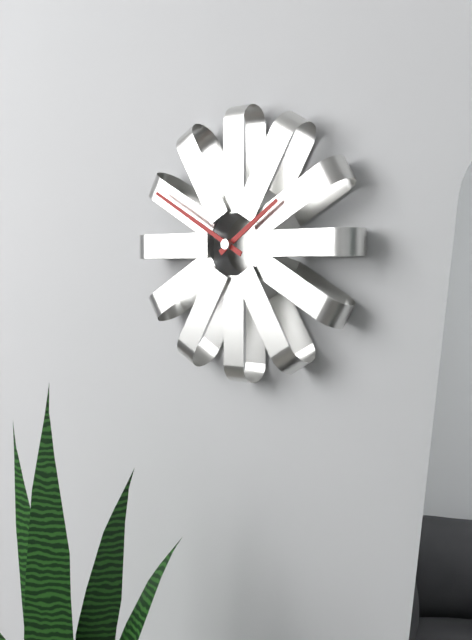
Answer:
1:50
